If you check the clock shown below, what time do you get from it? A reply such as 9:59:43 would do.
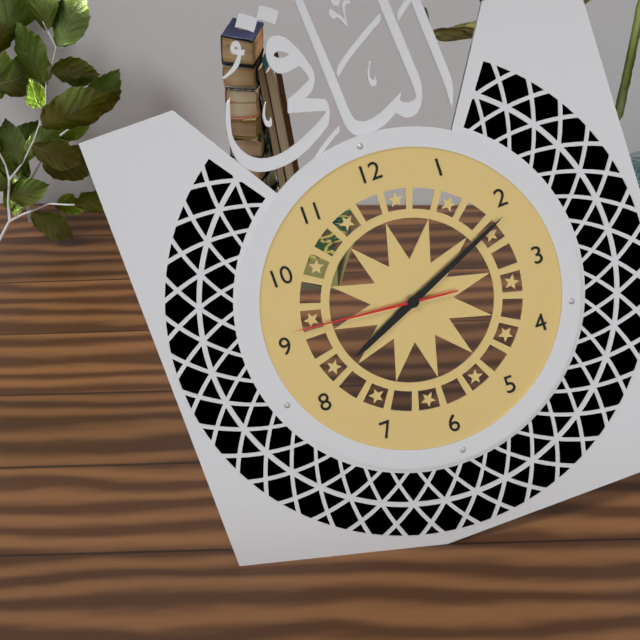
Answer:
8:11:46
